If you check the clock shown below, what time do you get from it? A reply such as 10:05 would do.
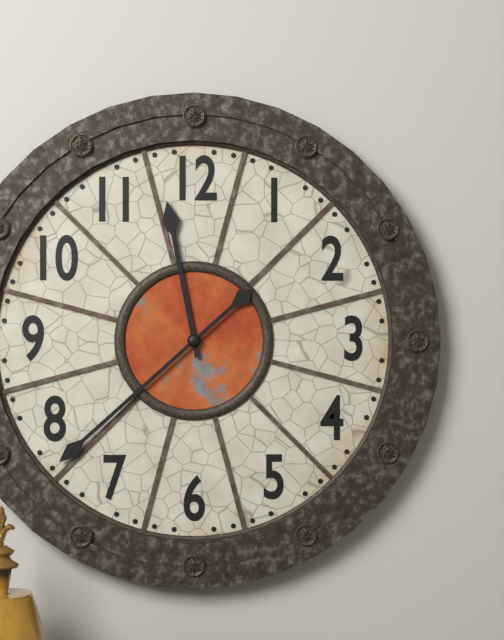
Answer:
11:38
